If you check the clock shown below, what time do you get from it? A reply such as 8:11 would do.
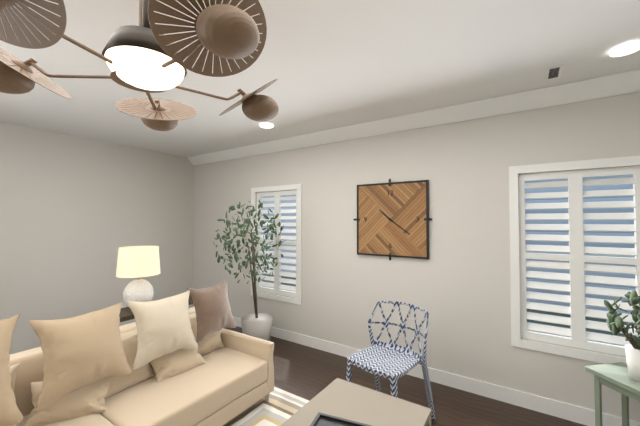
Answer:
10:21
